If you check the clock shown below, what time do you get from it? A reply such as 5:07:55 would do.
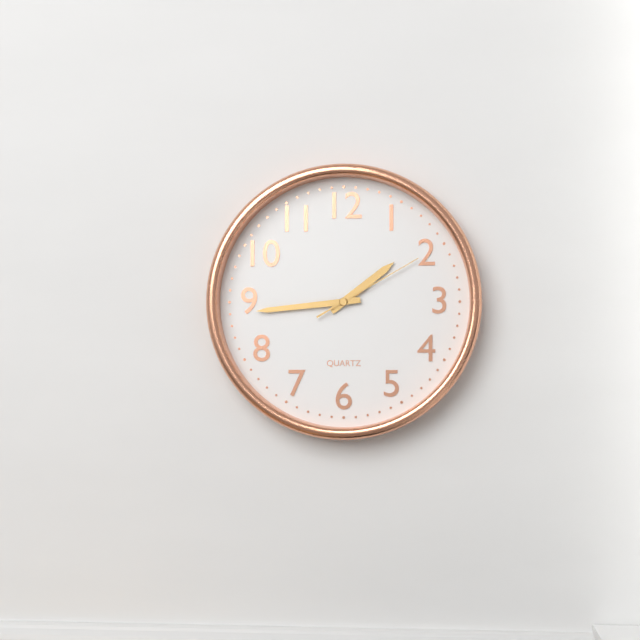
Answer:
1:44:10
